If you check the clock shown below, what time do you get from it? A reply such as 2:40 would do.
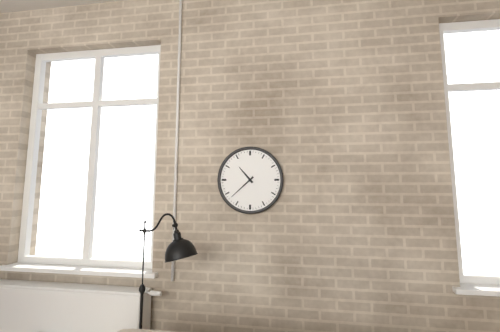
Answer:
10:38
